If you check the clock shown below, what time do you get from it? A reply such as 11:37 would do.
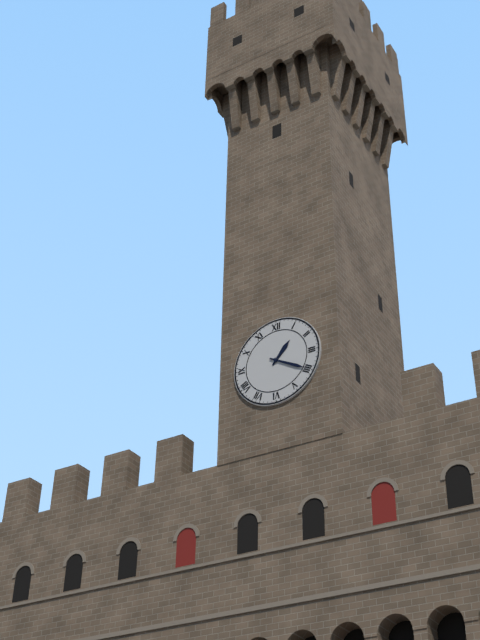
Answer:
1:20
